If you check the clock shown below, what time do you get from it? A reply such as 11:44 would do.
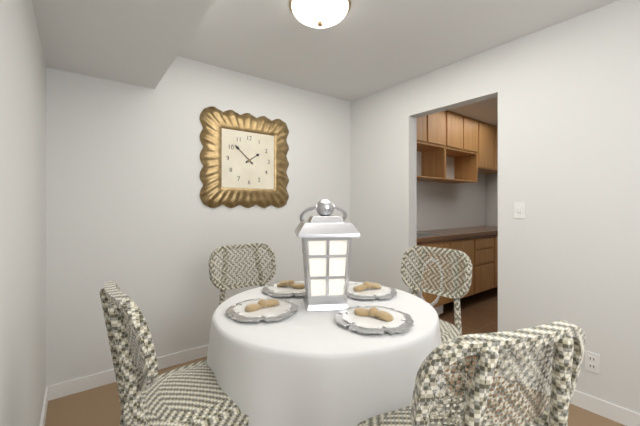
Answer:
1:52
